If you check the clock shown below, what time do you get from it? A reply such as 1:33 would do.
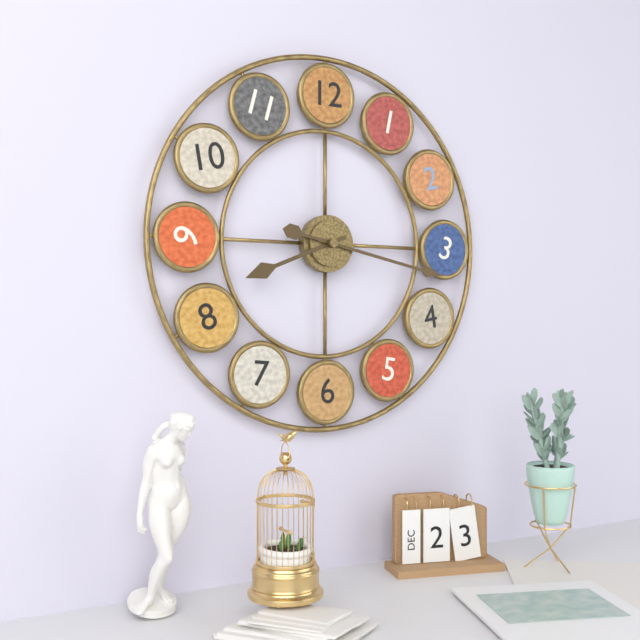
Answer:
8:17
